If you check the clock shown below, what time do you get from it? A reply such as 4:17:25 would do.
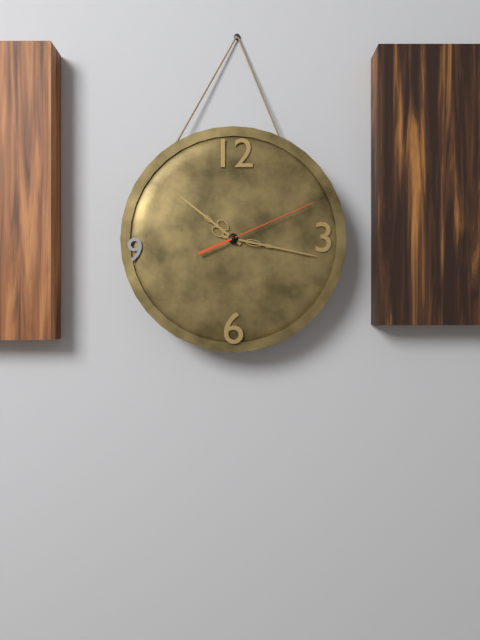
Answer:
10:17:11
